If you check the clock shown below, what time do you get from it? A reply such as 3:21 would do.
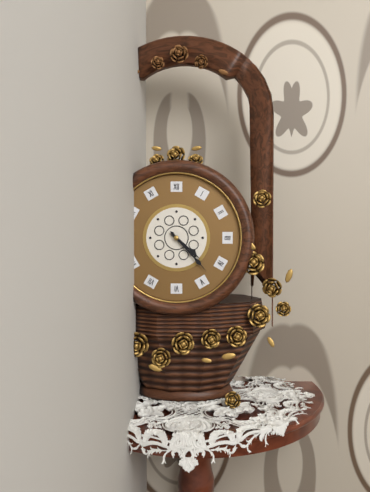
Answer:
4:23
